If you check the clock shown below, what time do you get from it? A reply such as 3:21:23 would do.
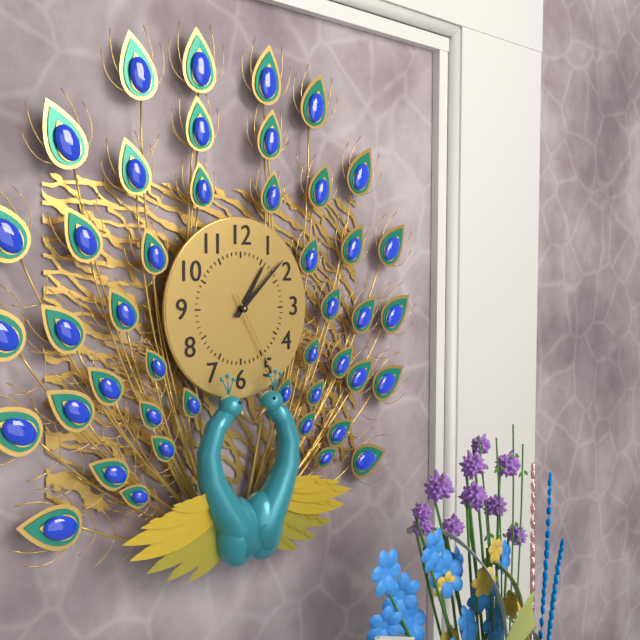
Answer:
1:08:25
